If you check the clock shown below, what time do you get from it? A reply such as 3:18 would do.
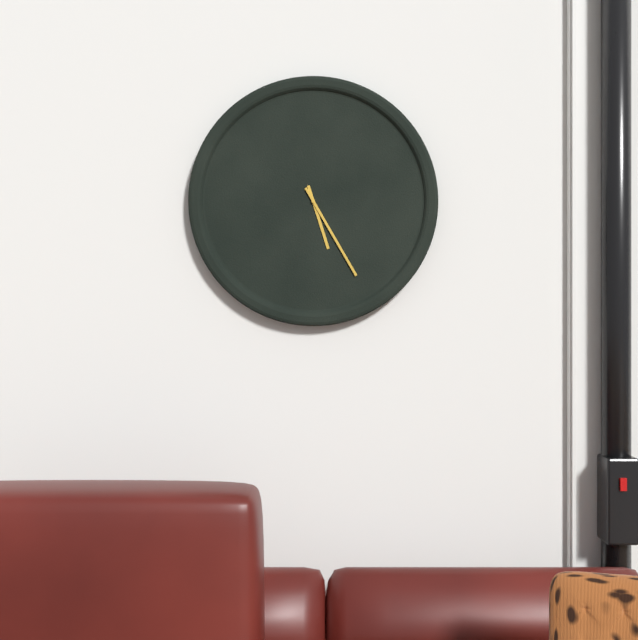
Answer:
5:25
